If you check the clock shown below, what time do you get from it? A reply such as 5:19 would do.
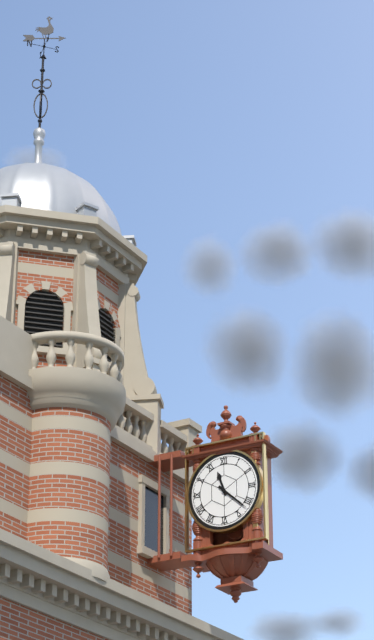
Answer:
11:22
